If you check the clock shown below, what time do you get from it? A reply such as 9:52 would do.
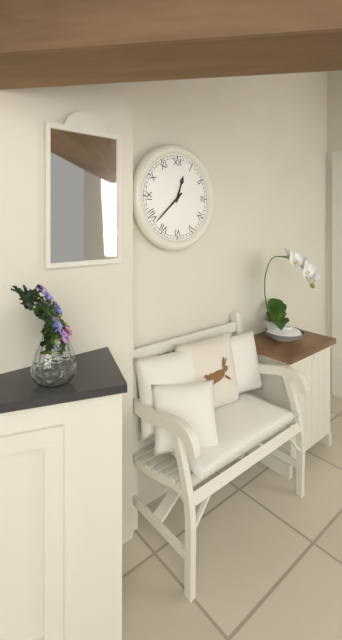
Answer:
12:38
